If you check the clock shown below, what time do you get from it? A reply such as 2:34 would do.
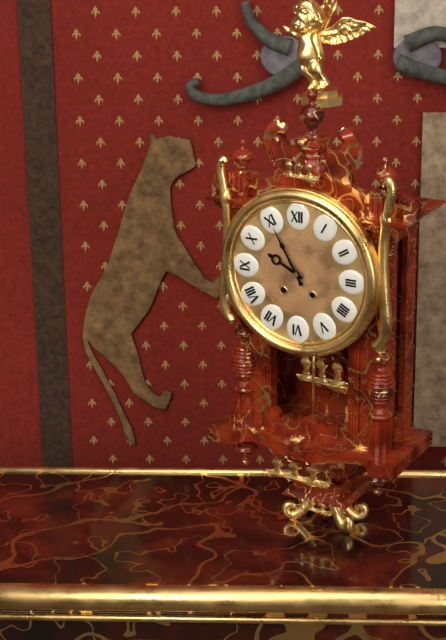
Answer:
9:55
